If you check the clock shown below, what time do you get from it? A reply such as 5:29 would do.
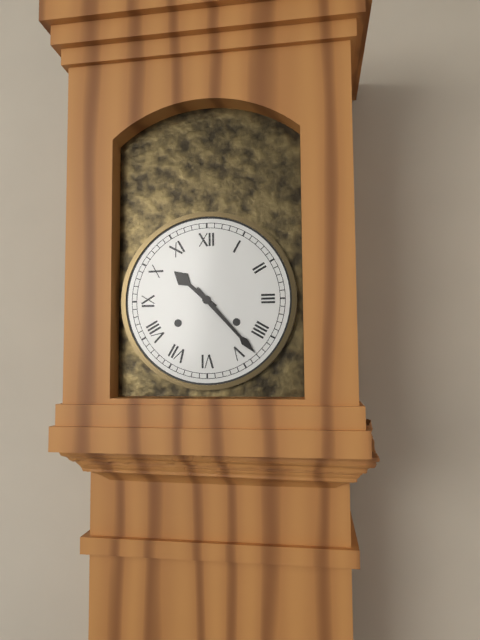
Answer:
10:23
